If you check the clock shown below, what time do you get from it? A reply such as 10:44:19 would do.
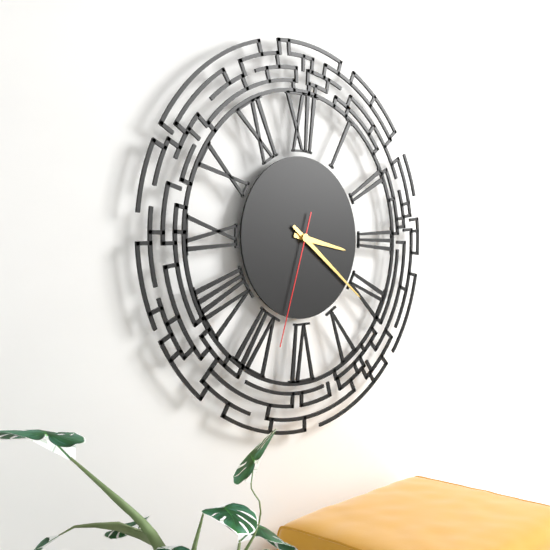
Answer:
3:21:33
